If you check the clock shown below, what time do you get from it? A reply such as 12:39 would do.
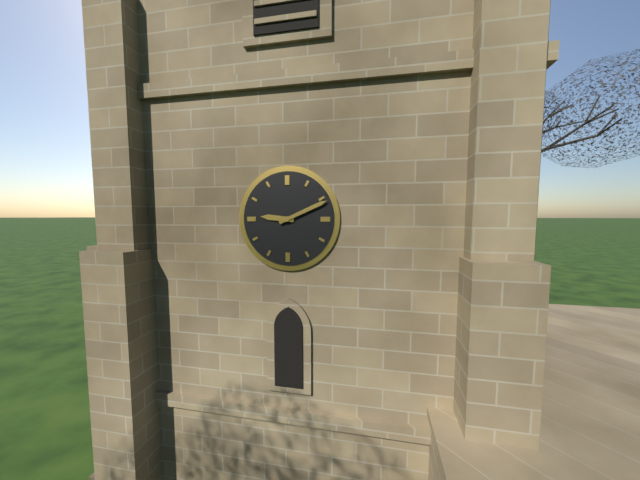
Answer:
9:11
